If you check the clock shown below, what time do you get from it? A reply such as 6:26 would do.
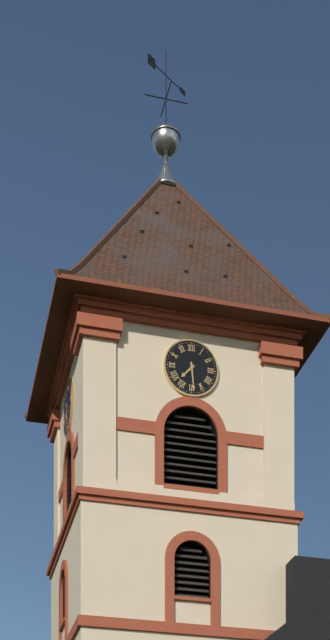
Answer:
7:29
